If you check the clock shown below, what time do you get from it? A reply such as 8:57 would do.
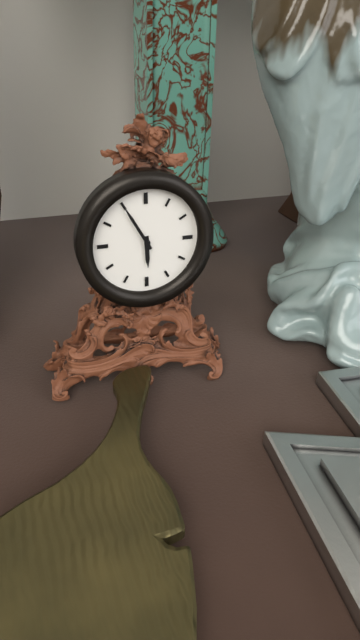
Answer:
5:55
